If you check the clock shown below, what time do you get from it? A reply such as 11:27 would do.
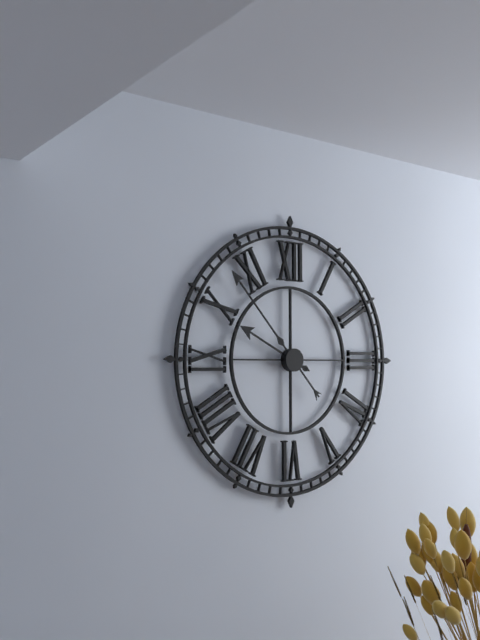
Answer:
9:53
